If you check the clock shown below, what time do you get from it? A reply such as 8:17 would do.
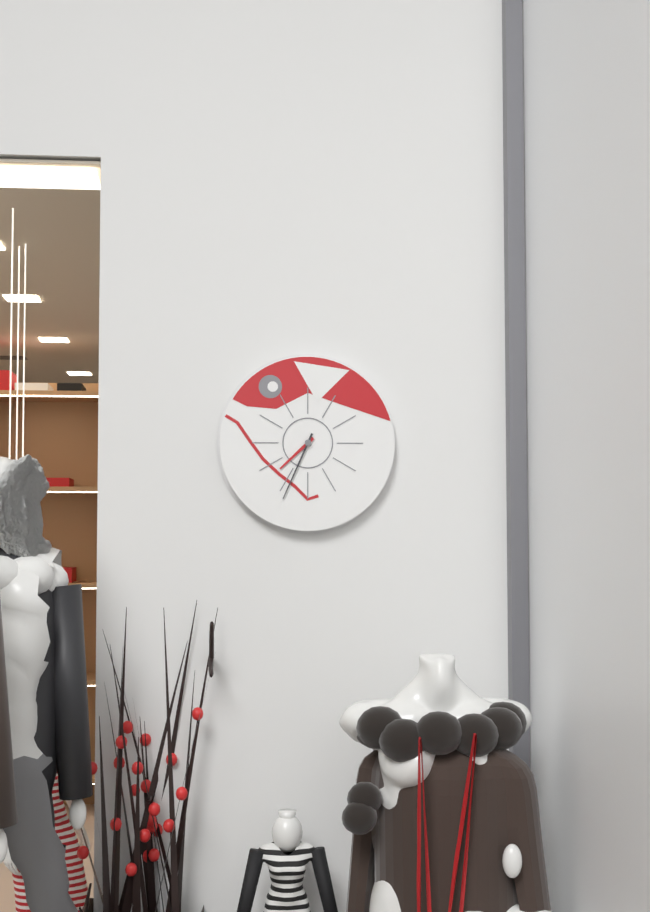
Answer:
7:34
